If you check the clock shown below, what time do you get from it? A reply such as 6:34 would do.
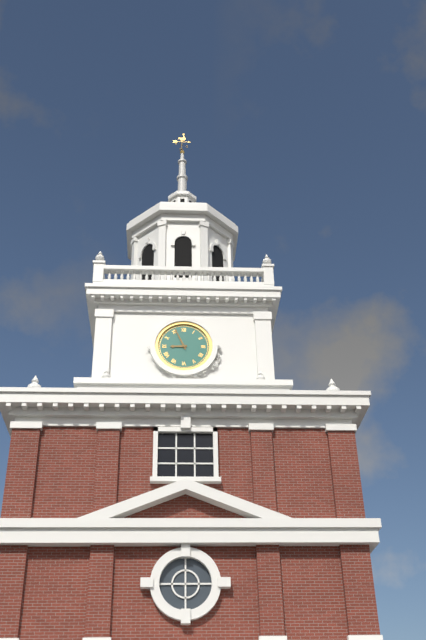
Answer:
8:56
